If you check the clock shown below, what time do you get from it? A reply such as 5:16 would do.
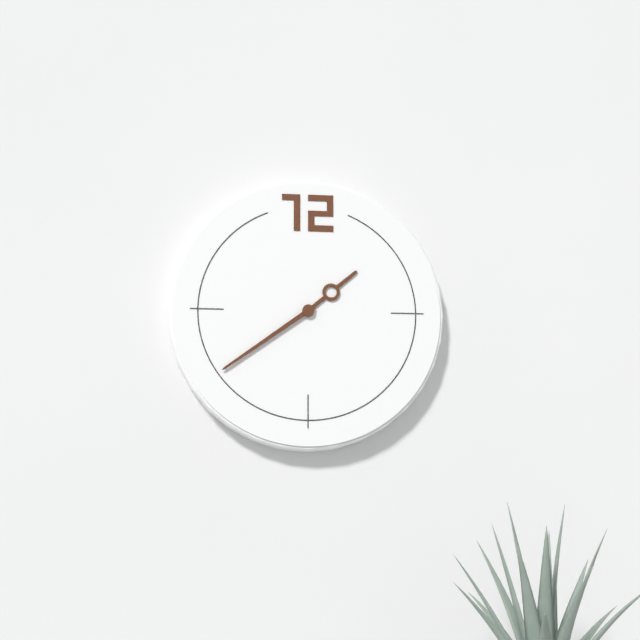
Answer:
1:39
